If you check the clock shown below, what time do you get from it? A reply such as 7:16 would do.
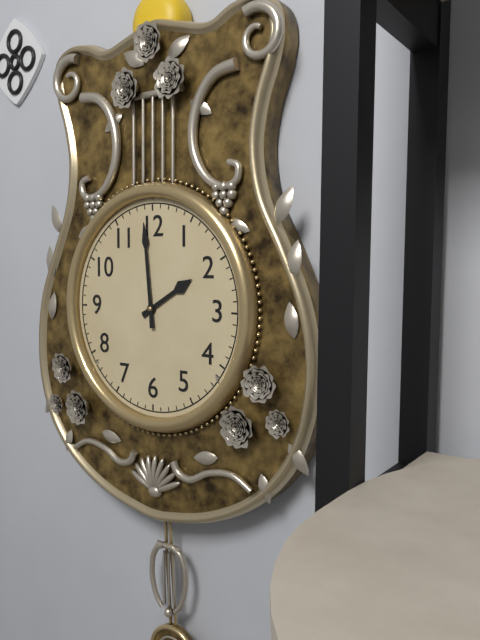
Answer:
1:59
